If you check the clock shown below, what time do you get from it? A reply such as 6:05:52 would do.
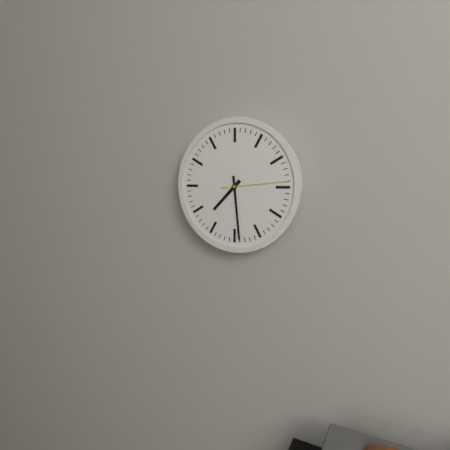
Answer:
7:29:14
